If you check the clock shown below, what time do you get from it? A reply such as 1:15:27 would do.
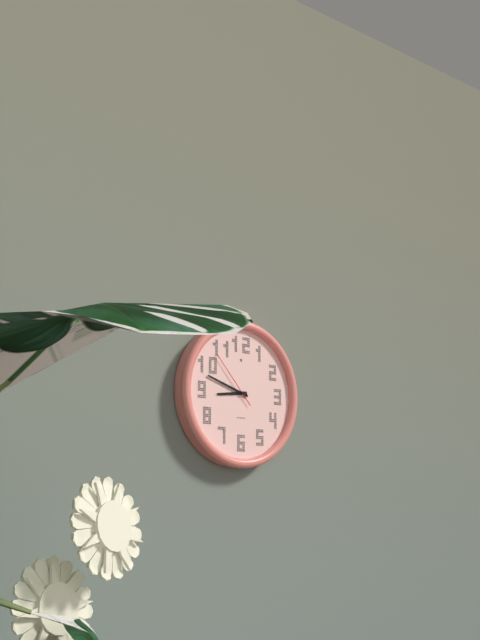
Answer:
8:48:53
